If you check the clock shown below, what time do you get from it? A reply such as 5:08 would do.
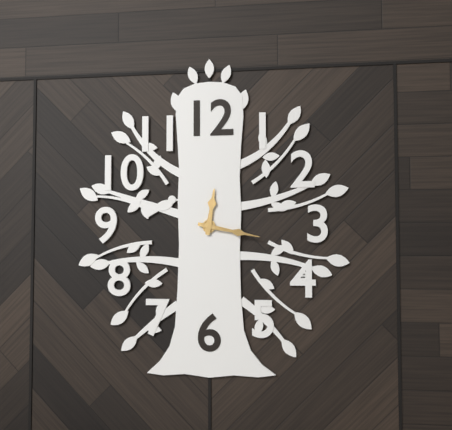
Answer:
12:17
